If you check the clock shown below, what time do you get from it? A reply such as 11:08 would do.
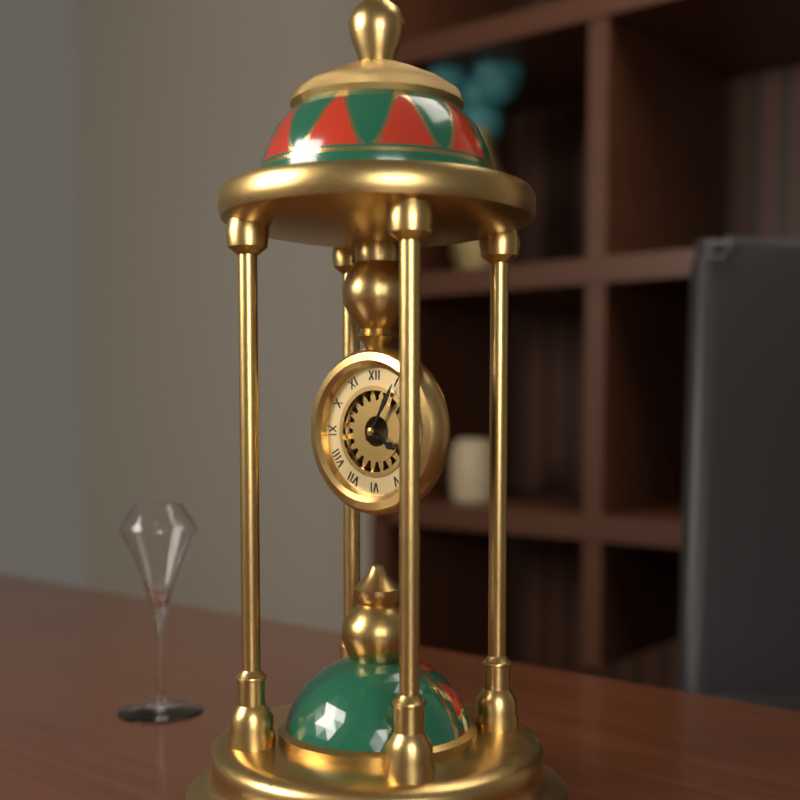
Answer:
4:05
